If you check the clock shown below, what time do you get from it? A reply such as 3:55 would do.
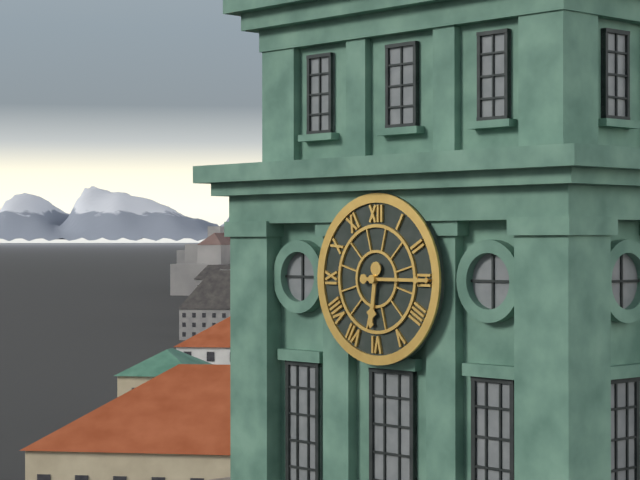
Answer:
6:15
